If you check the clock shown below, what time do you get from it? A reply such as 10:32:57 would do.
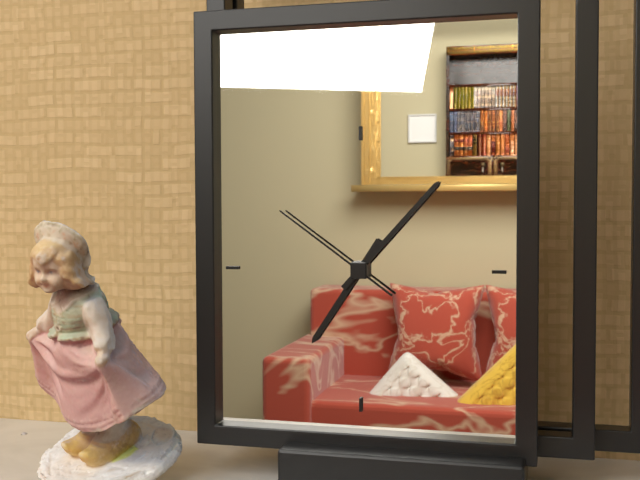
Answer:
7:07:51
